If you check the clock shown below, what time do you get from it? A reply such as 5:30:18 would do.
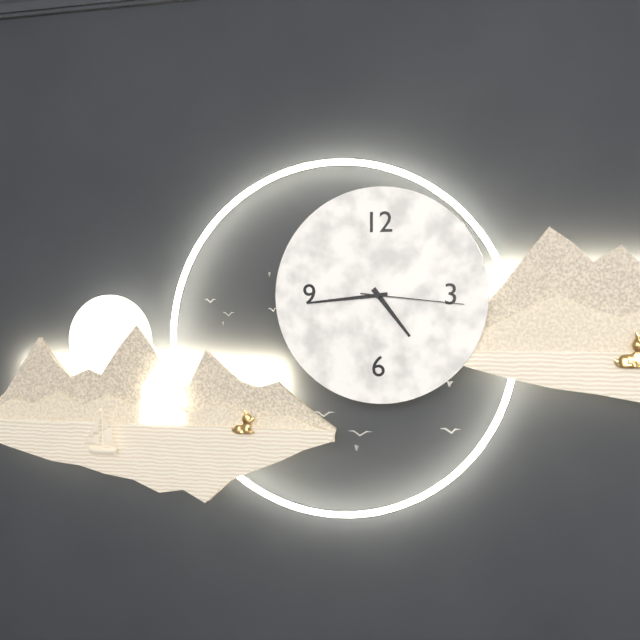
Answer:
4:44:16
